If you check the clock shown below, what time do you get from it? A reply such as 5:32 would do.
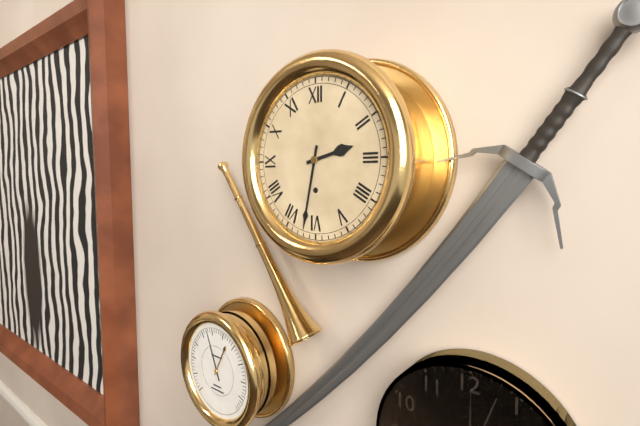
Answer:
2:32
